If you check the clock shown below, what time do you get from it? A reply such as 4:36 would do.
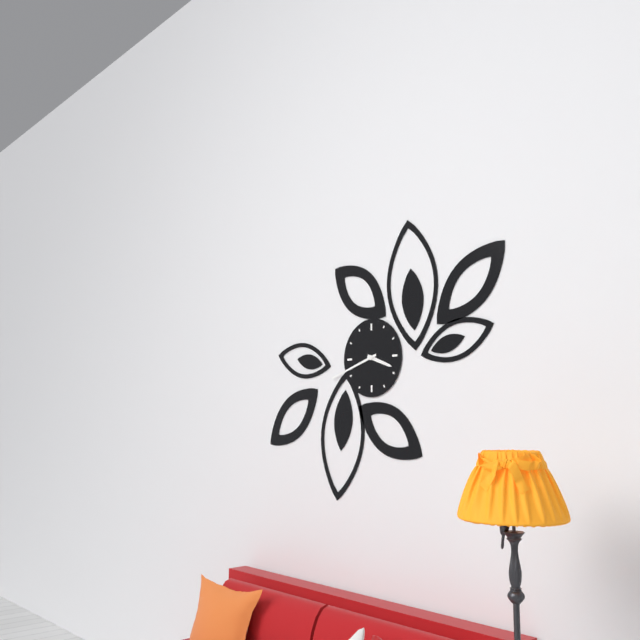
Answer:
3:42
